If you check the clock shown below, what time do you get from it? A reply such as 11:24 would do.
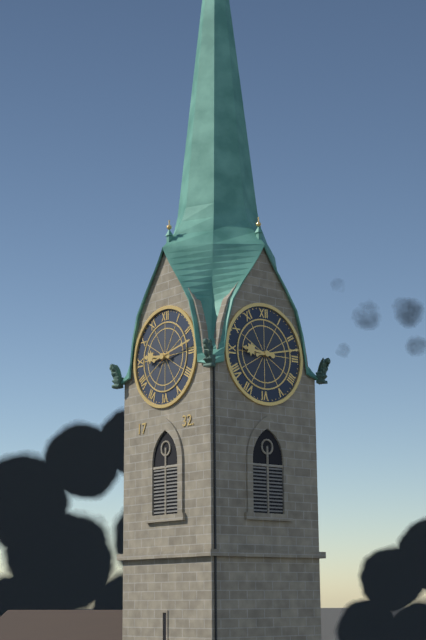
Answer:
9:13
